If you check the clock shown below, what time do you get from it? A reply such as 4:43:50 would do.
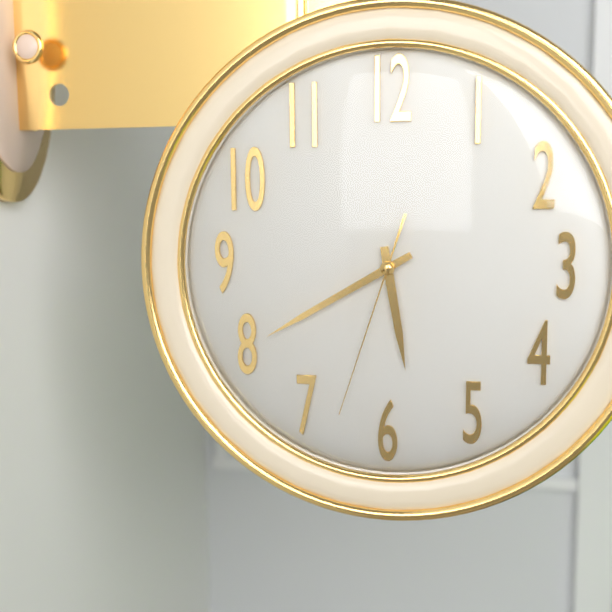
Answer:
5:40:33
